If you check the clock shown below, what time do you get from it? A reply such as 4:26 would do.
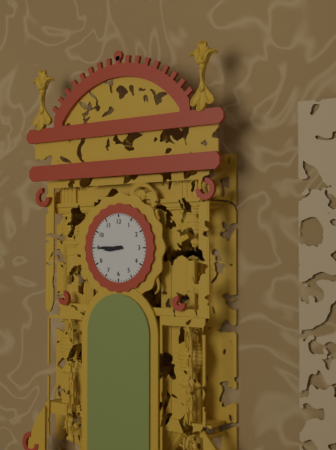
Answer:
8:45
